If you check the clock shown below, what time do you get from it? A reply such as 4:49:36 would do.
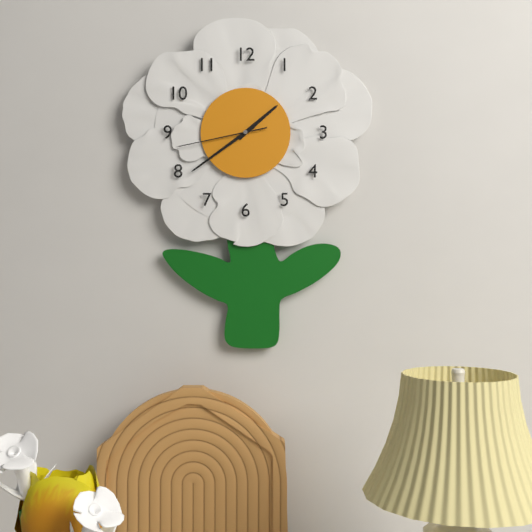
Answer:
1:39:43
